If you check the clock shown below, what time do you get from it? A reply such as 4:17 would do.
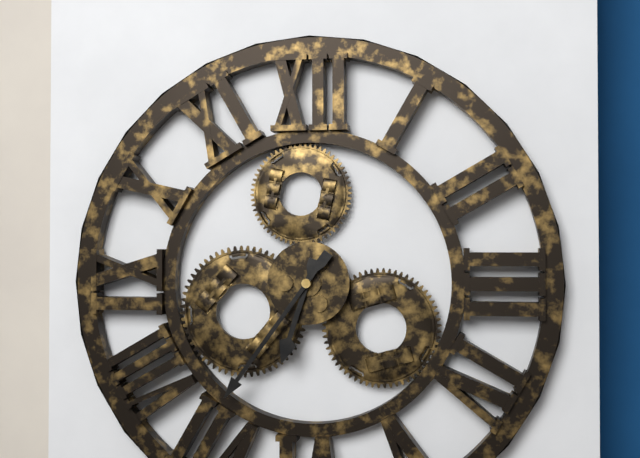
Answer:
6:36
